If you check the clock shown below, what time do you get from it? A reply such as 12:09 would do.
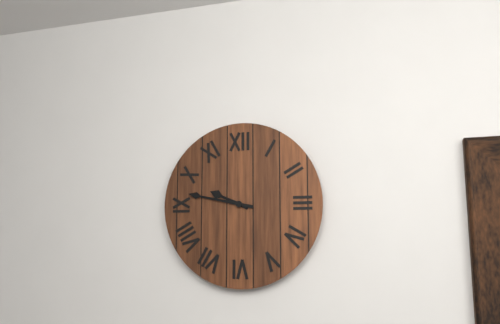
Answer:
9:47
